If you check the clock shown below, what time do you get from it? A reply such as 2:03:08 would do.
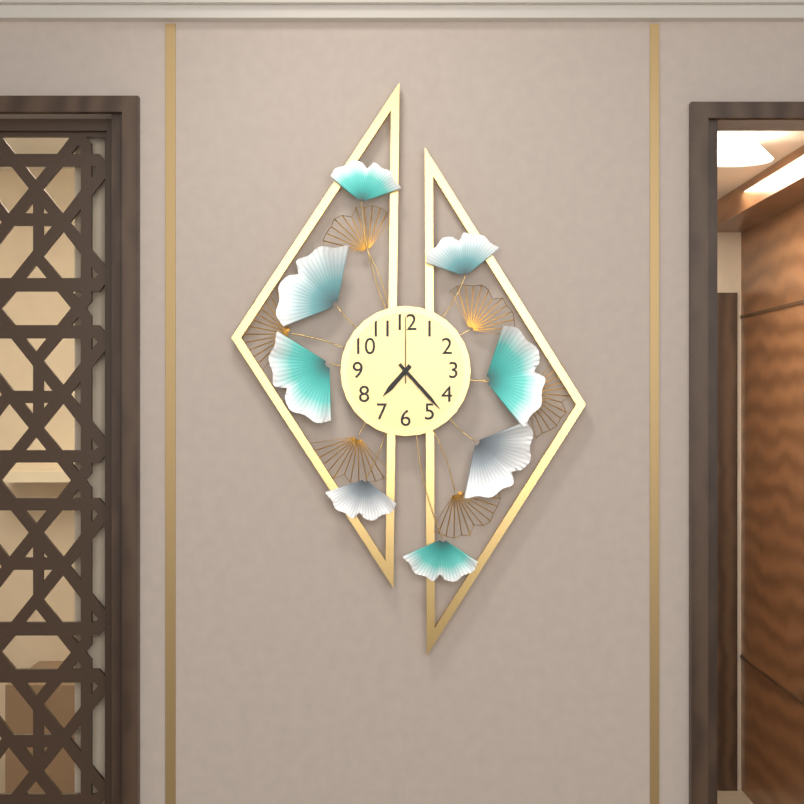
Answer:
7:23:00
